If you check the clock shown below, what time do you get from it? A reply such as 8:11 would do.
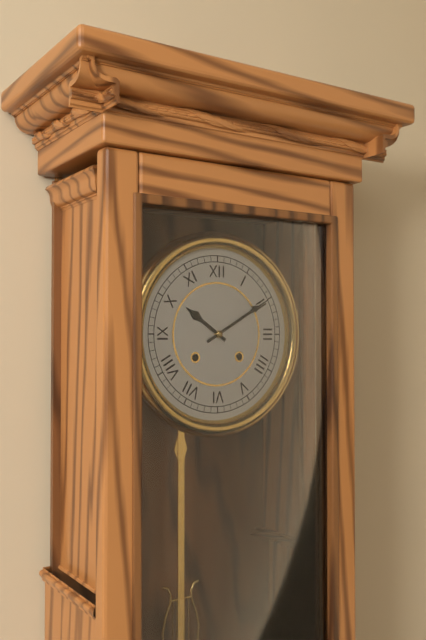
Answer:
10:10
